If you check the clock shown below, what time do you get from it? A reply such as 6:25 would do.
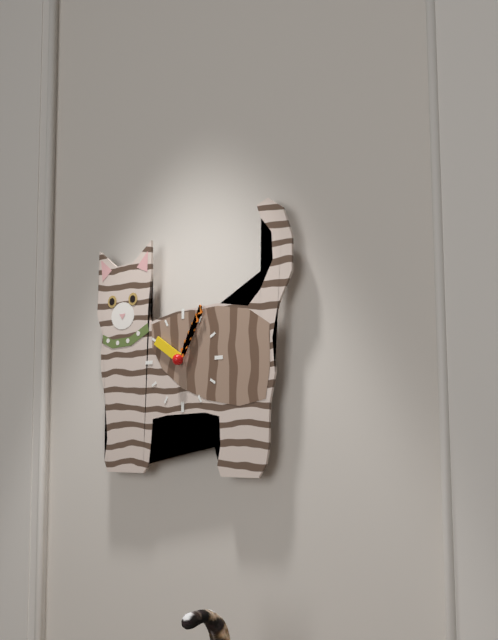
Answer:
10:05
